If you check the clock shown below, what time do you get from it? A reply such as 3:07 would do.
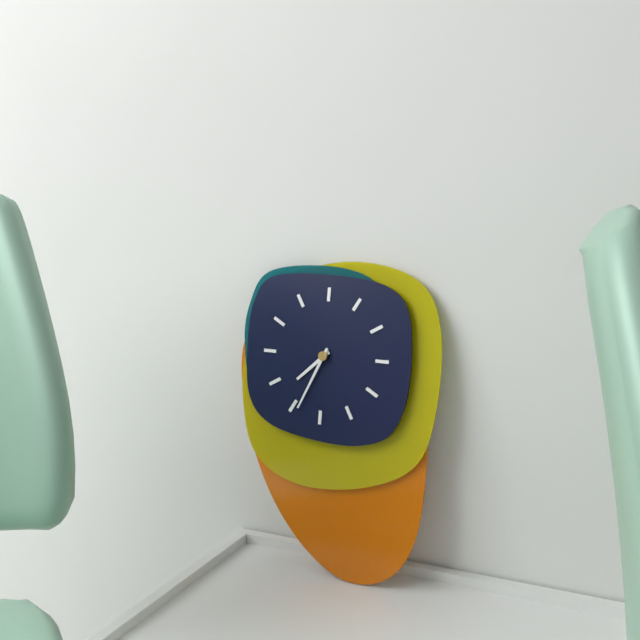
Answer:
7:34
